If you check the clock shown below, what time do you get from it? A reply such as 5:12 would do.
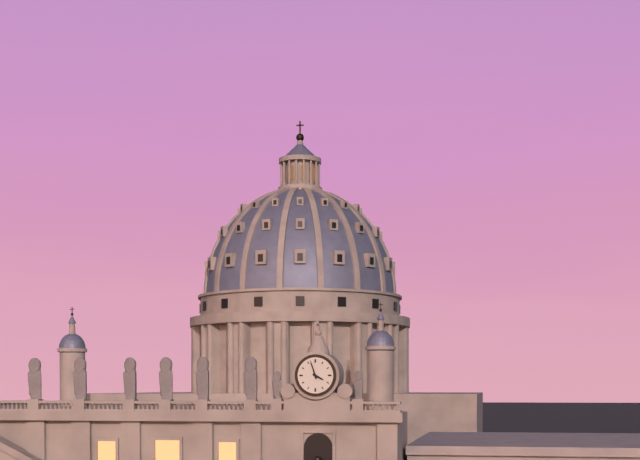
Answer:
3:57
